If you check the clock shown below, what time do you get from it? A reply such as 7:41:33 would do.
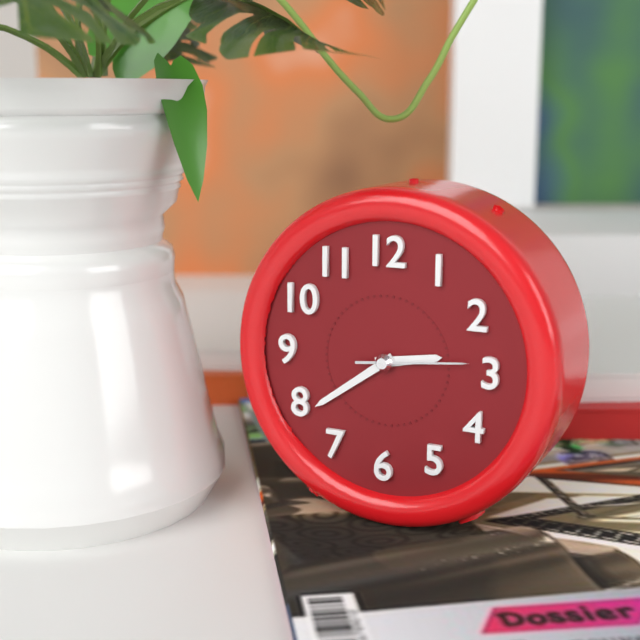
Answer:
2:39:14
